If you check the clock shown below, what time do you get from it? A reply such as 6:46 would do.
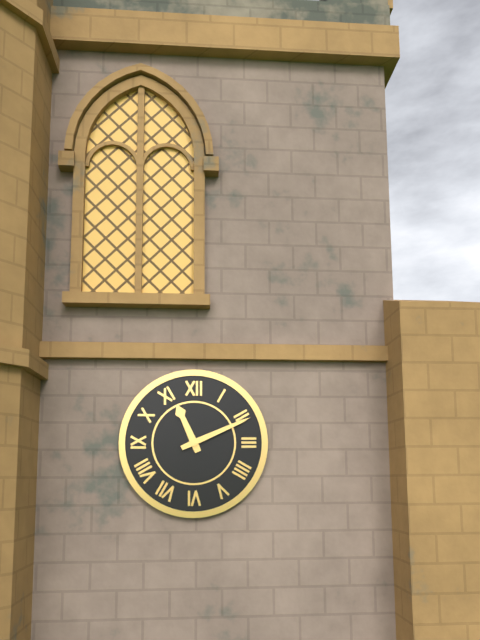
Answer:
11:11
